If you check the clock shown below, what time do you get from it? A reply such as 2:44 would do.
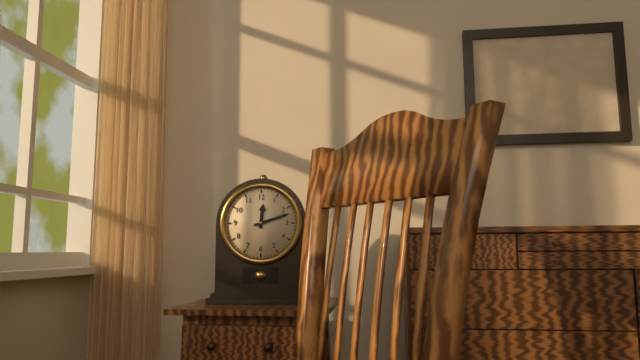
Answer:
12:12
